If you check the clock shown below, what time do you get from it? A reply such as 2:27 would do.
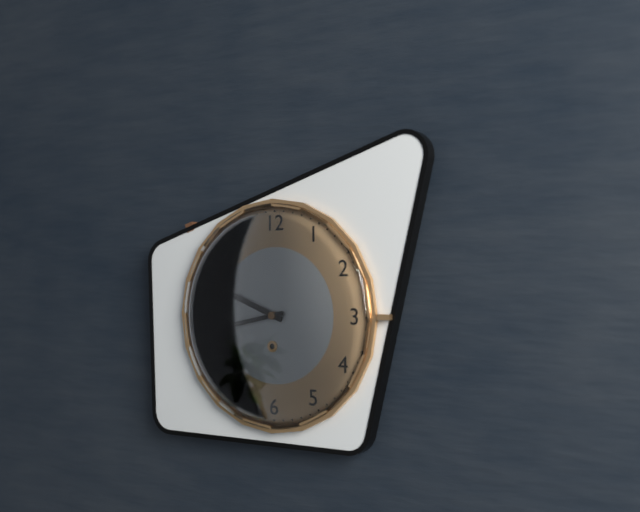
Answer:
9:43
